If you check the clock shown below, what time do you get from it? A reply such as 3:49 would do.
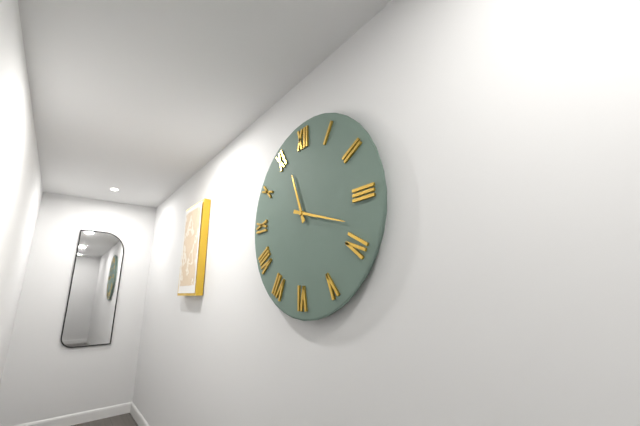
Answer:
11:18
